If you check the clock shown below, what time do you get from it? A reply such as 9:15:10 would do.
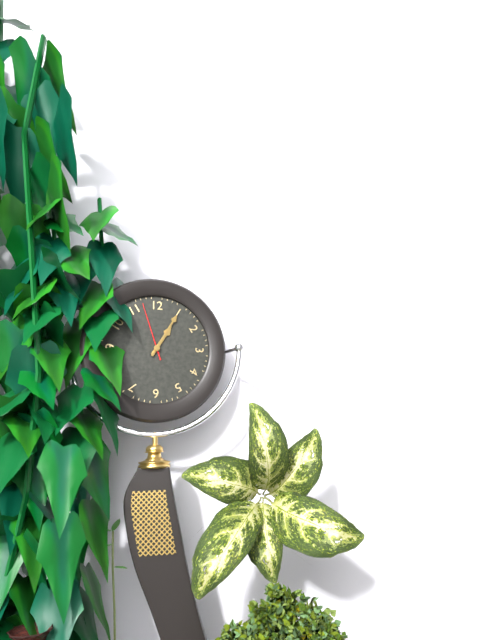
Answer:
1:05:57
